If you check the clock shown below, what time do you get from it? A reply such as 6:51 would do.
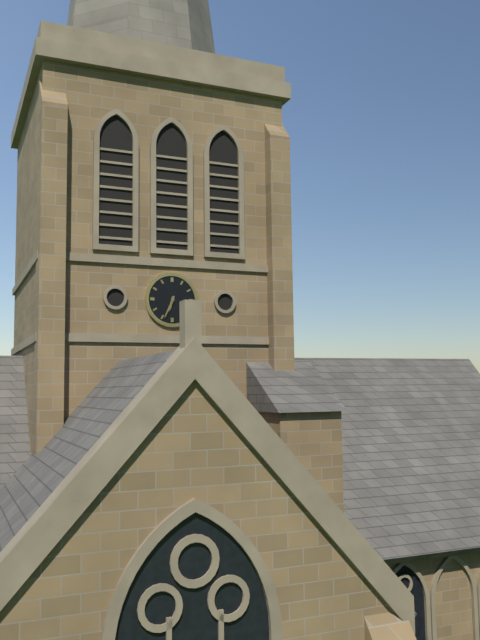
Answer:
6:34
